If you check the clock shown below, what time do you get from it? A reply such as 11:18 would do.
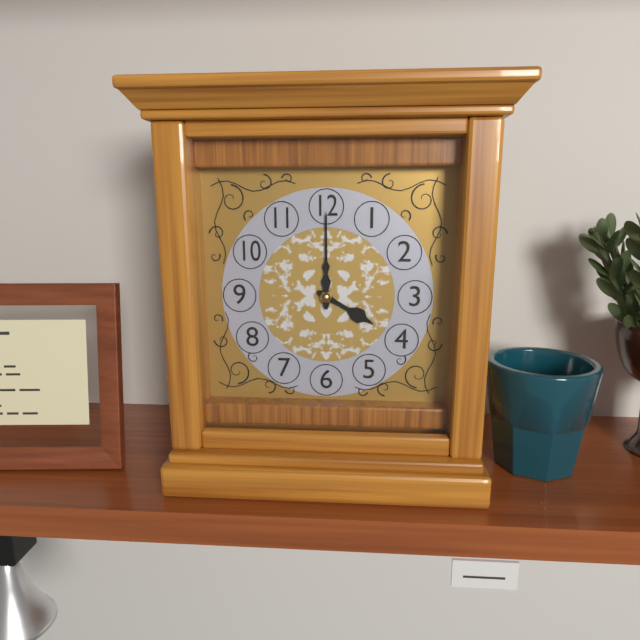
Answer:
4:00
